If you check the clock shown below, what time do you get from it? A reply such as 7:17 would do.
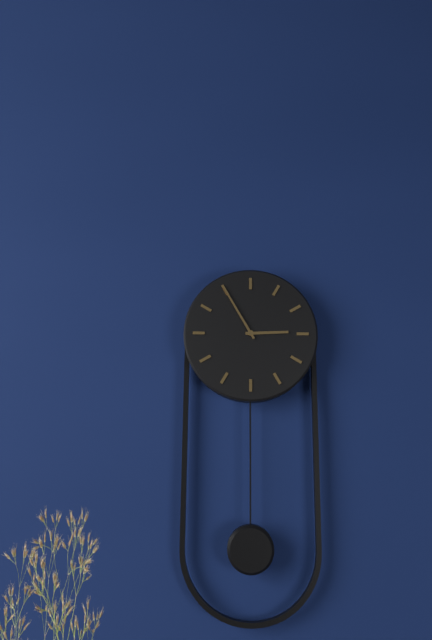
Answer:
2:55
